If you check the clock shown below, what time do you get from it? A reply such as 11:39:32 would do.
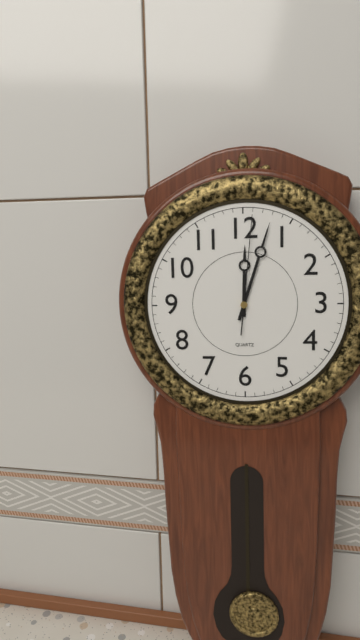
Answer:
12:03:01
